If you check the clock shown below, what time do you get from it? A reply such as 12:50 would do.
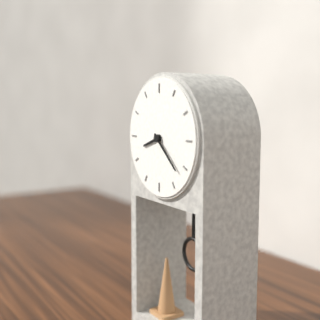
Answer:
8:22
